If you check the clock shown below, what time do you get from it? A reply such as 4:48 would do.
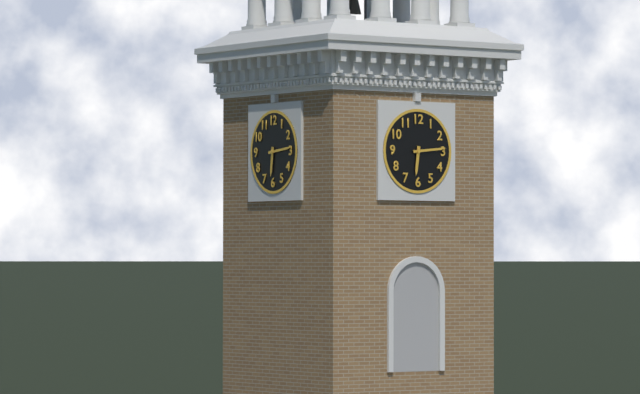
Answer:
6:14
